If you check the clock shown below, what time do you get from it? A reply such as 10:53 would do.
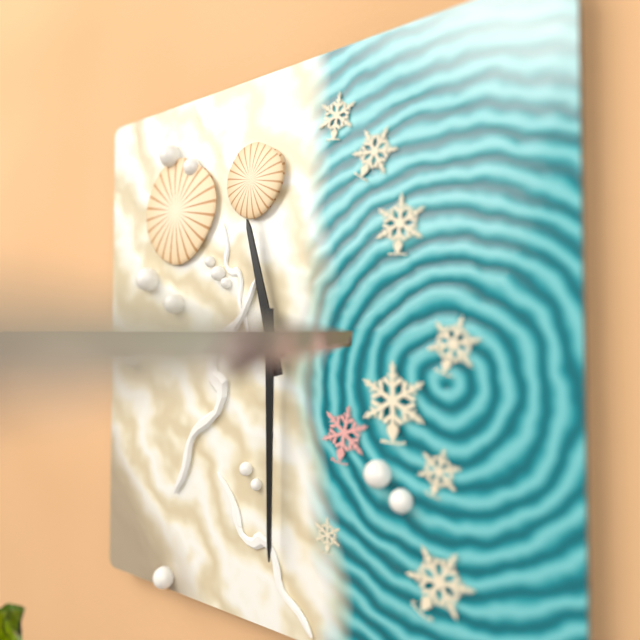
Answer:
11:30
